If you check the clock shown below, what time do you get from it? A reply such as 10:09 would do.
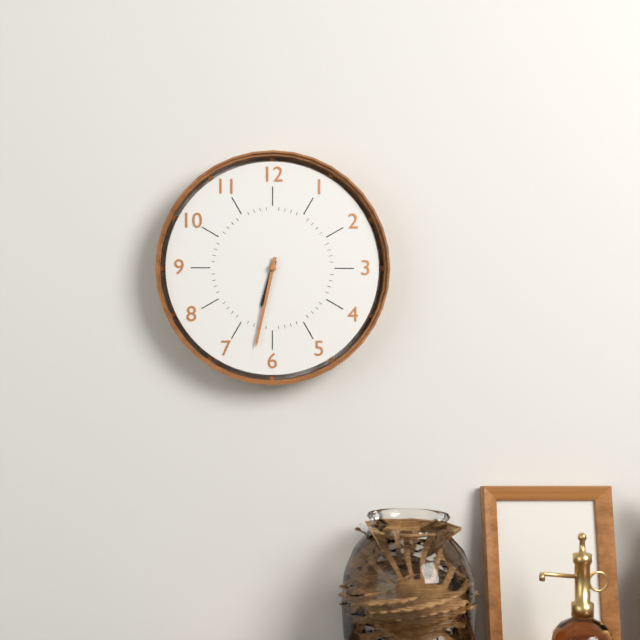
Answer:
6:32
